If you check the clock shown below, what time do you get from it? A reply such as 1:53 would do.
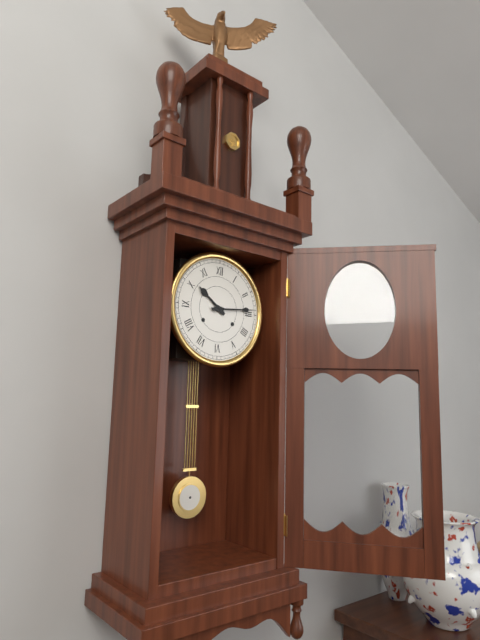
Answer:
10:14
